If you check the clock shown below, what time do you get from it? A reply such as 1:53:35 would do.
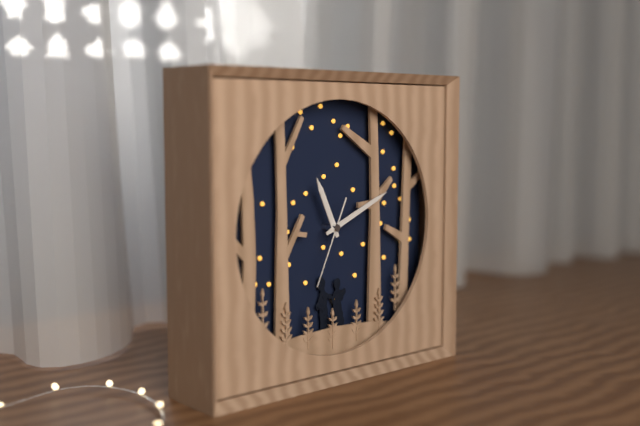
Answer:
11:11:34
